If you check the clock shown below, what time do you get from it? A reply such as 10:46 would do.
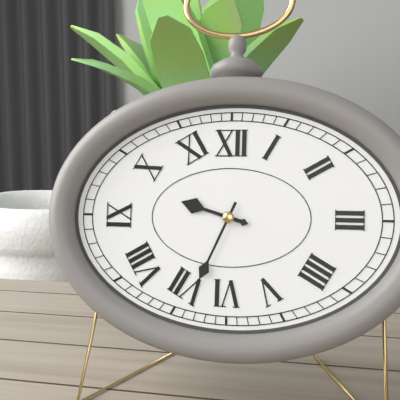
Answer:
9:34
